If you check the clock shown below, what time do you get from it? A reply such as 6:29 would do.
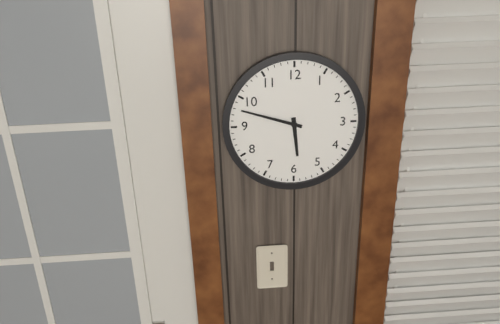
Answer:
5:48
